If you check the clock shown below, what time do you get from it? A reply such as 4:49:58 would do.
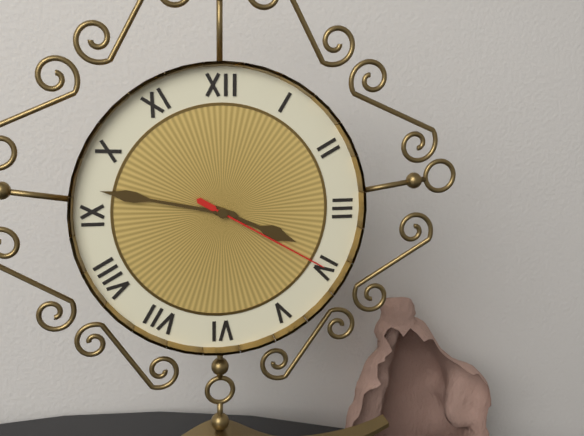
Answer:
3:47:20
